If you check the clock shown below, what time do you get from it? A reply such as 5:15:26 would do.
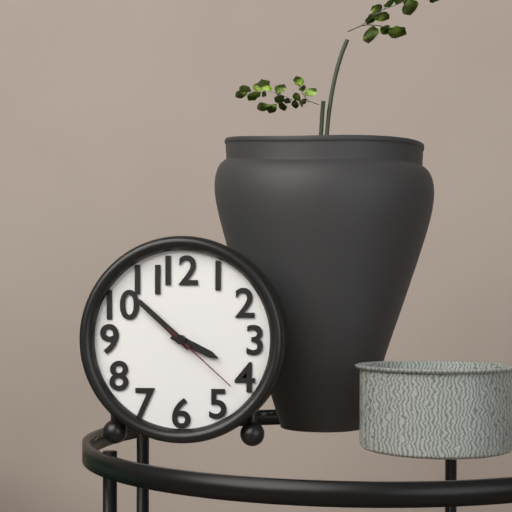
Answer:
3:52:22
